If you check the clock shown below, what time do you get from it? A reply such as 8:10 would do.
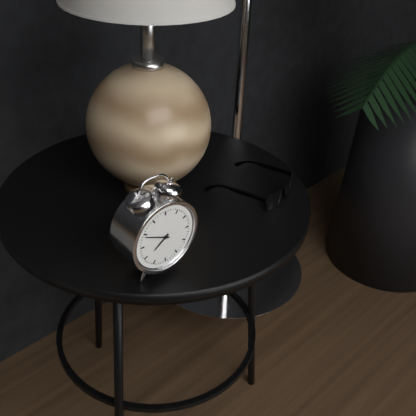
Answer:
7:49
